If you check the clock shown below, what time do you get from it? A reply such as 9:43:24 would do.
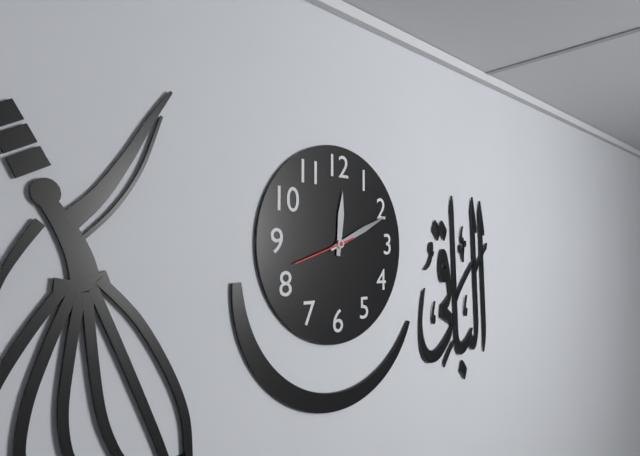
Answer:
12:11:42
